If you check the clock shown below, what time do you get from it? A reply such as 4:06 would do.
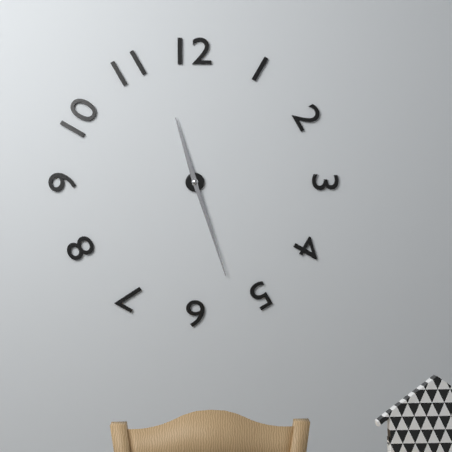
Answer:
11:27
